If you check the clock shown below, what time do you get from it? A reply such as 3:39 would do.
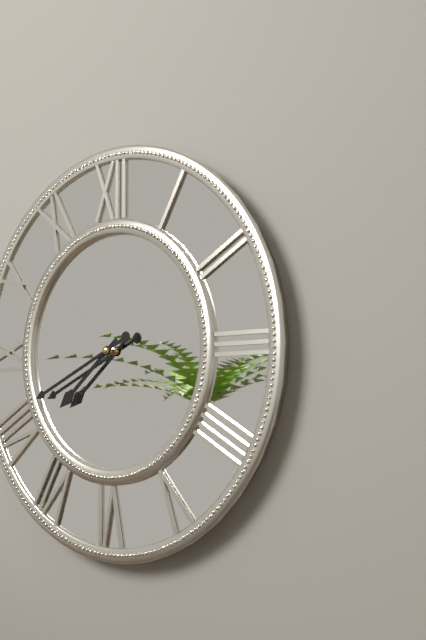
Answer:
7:41
